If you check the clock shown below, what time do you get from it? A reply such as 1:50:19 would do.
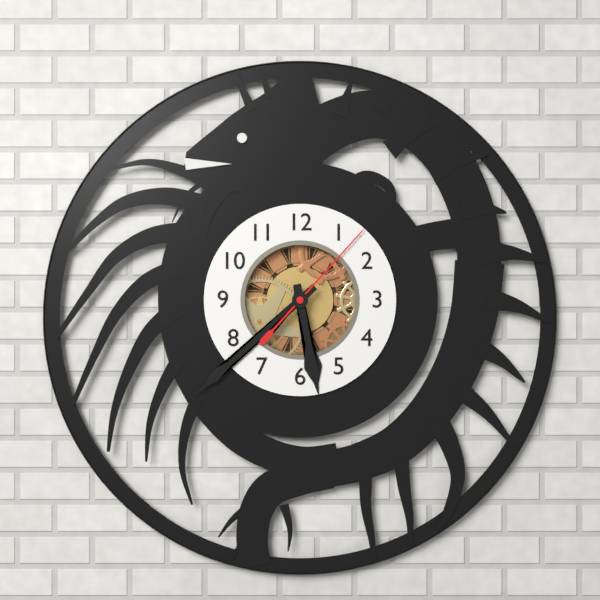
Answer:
5:38:07
